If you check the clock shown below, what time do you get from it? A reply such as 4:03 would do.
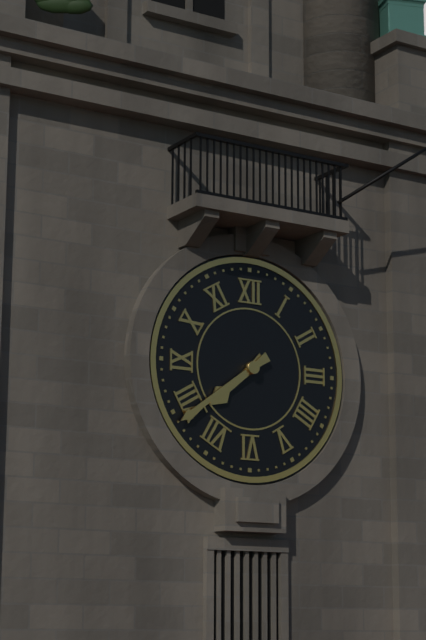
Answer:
7:39
